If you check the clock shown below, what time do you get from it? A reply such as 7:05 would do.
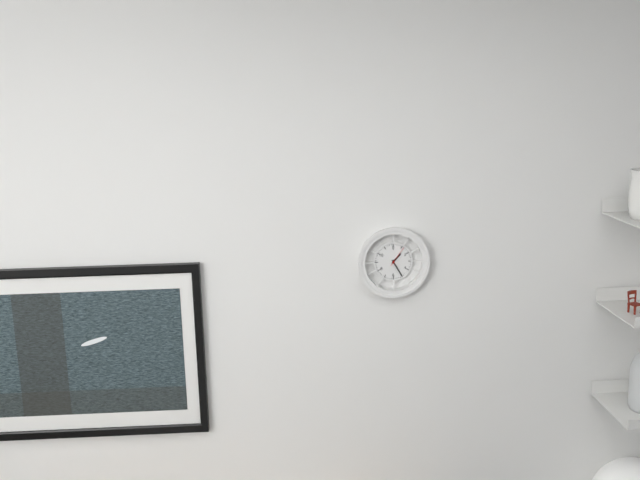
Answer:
1:25
